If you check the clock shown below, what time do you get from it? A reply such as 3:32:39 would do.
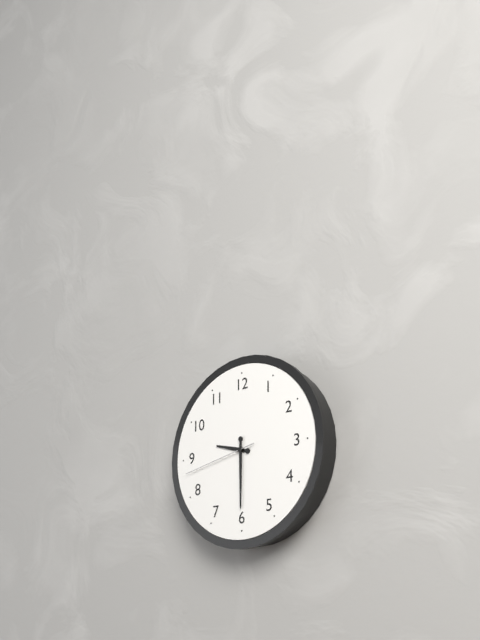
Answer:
9:30:43
